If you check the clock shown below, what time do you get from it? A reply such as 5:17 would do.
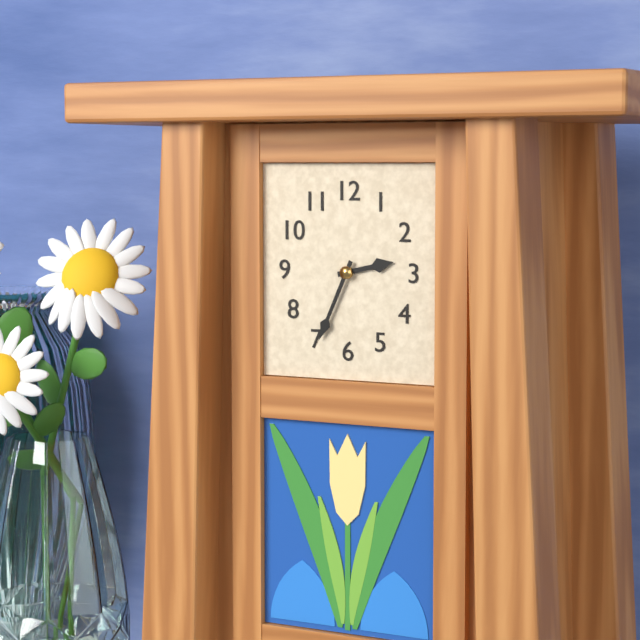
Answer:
2:34
